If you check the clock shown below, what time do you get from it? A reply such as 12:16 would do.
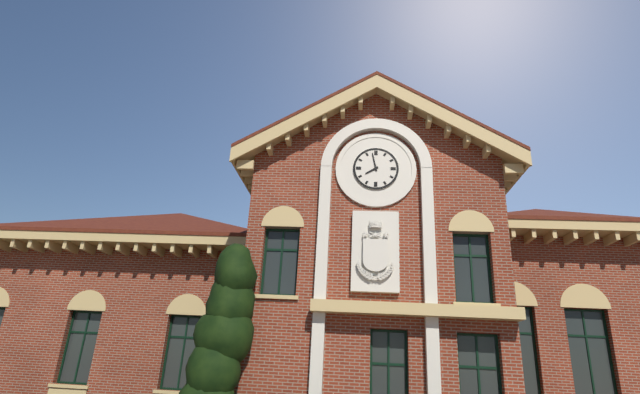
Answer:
7:58
